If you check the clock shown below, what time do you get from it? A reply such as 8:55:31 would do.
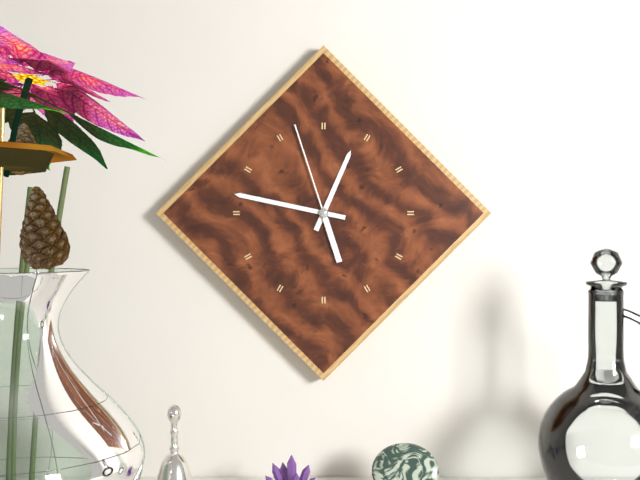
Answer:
12:47:57
